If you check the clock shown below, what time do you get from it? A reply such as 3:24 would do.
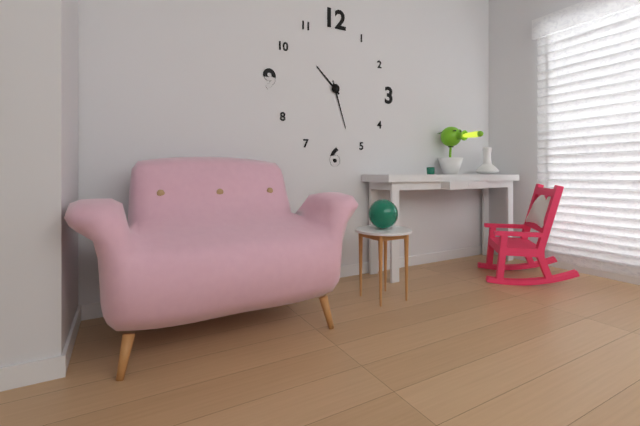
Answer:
10:27
